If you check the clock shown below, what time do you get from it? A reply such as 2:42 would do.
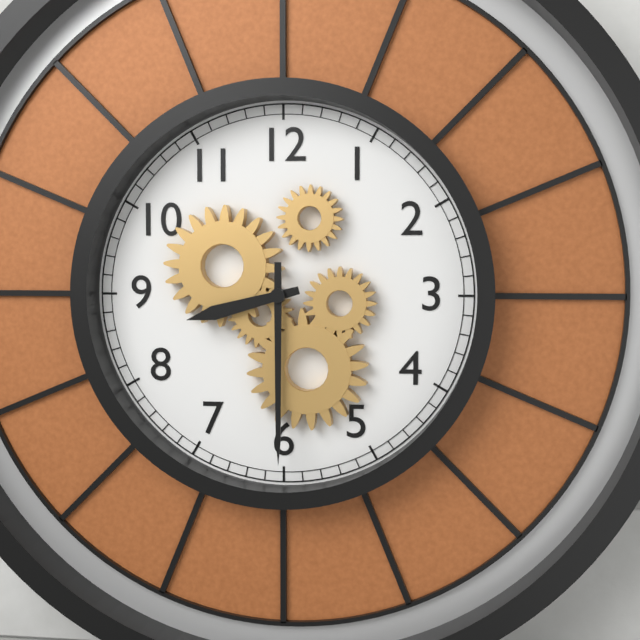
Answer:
8:30
